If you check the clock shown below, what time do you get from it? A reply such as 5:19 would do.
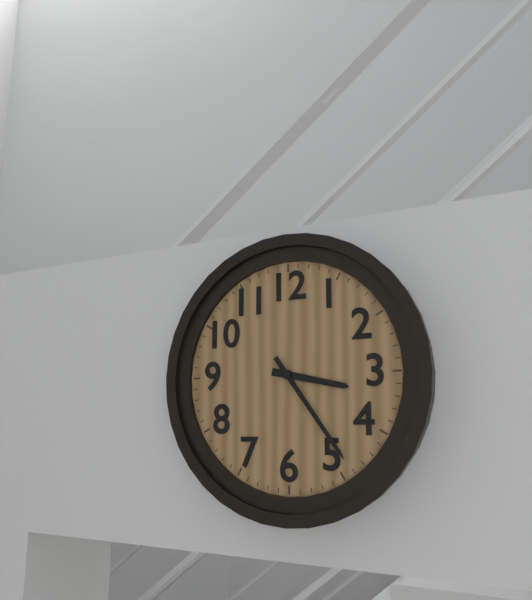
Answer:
3:24
